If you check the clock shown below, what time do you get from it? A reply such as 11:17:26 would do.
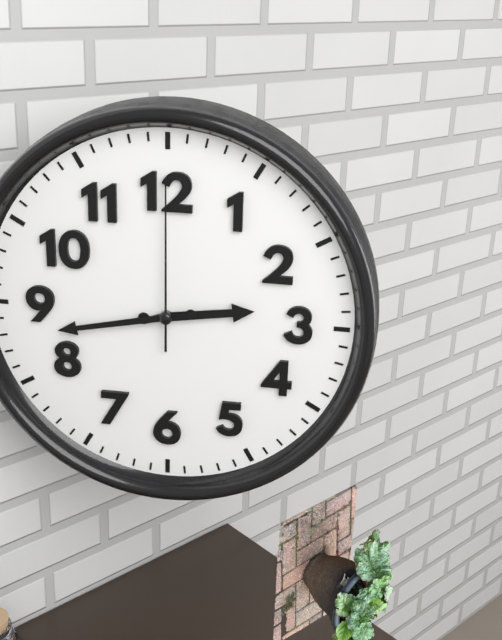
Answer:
2:43:00
